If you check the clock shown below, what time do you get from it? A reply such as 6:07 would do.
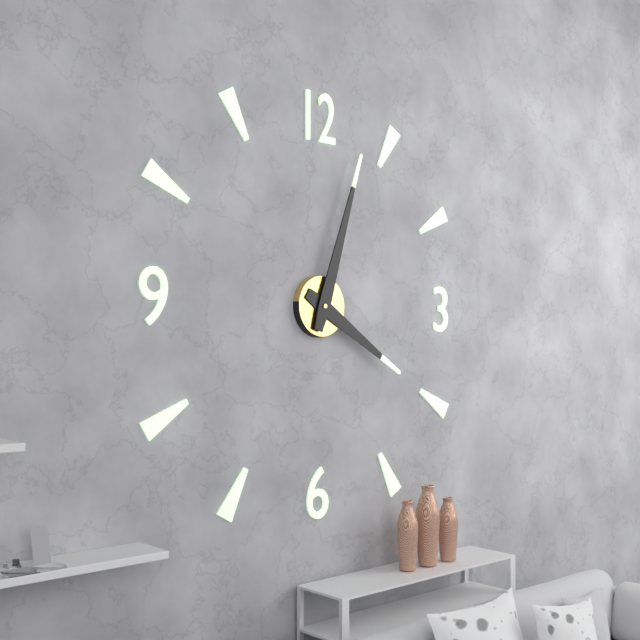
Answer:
4:03
